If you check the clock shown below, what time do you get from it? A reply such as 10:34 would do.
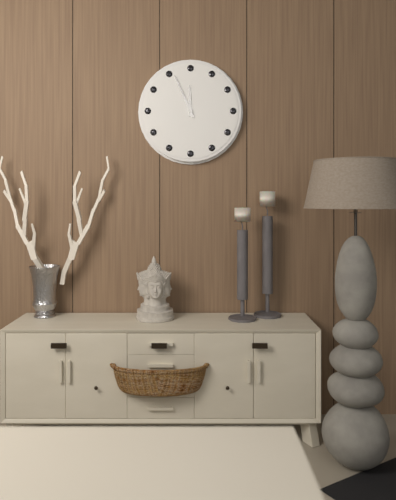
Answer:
11:56
